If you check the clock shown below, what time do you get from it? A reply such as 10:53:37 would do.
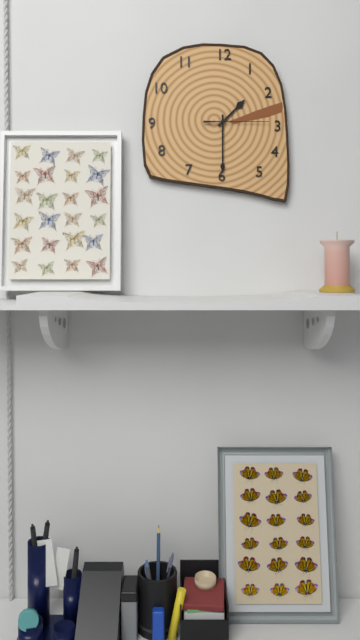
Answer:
1:30:15
